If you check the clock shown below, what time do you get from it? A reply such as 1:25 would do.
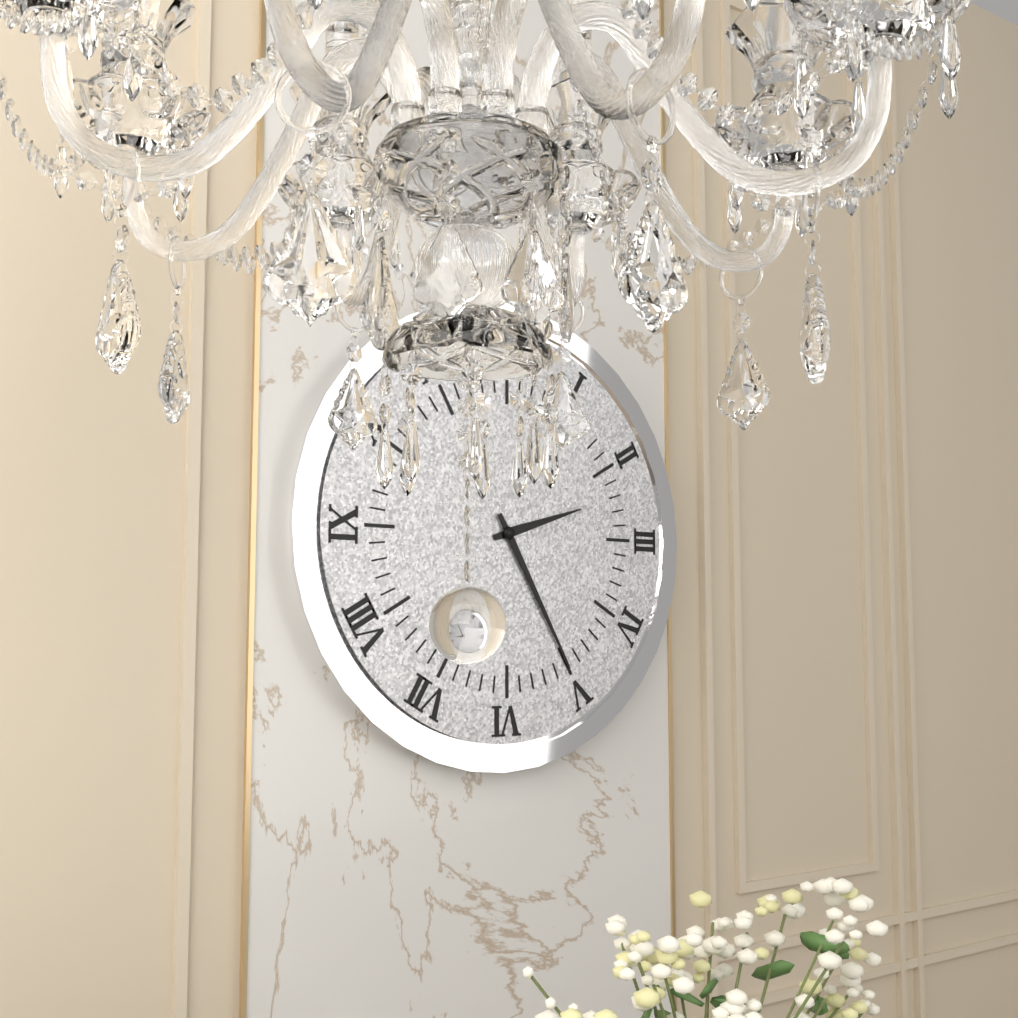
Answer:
2:25
